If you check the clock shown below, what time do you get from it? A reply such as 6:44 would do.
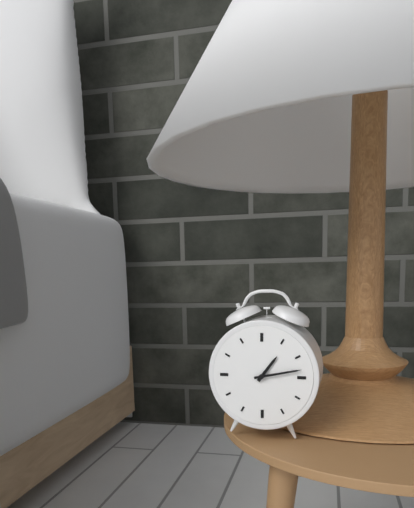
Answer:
1:13
